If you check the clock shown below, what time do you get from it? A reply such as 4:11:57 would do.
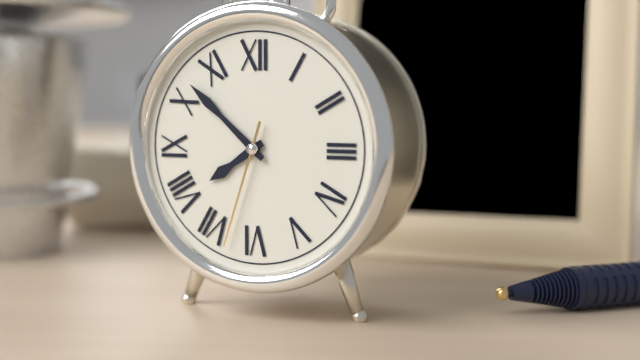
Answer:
7:52:33
